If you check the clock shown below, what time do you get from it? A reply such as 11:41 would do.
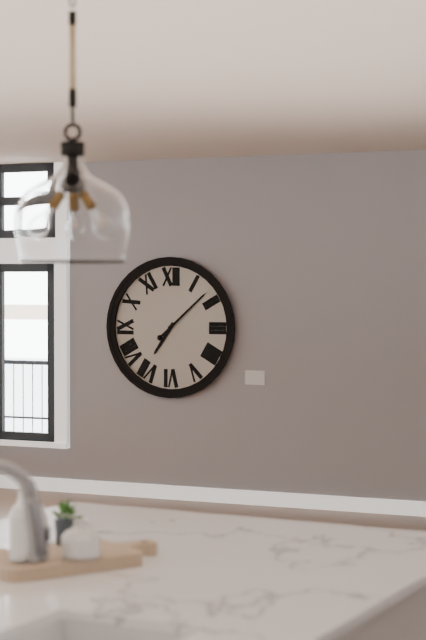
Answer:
7:08
